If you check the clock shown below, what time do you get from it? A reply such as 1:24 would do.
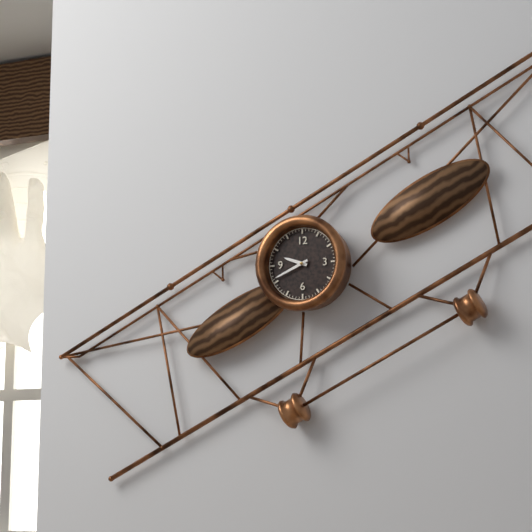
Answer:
9:41
